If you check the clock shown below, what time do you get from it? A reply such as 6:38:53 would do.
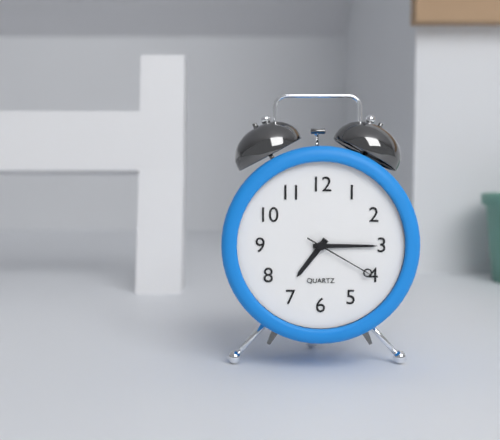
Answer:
7:15:20
